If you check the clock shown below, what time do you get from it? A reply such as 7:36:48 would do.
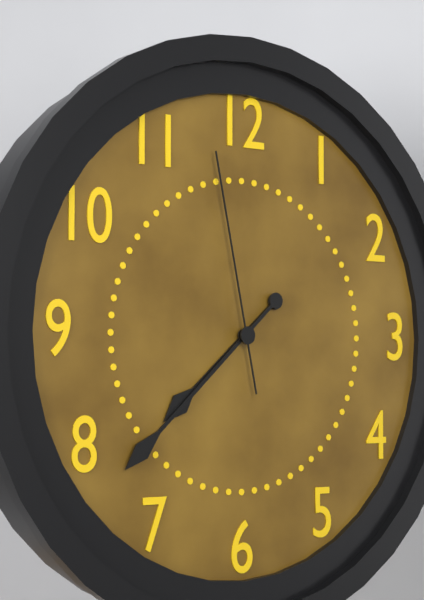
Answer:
7:38:58
